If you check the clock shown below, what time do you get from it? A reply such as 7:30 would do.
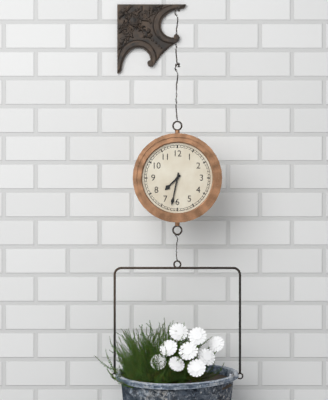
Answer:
7:32
